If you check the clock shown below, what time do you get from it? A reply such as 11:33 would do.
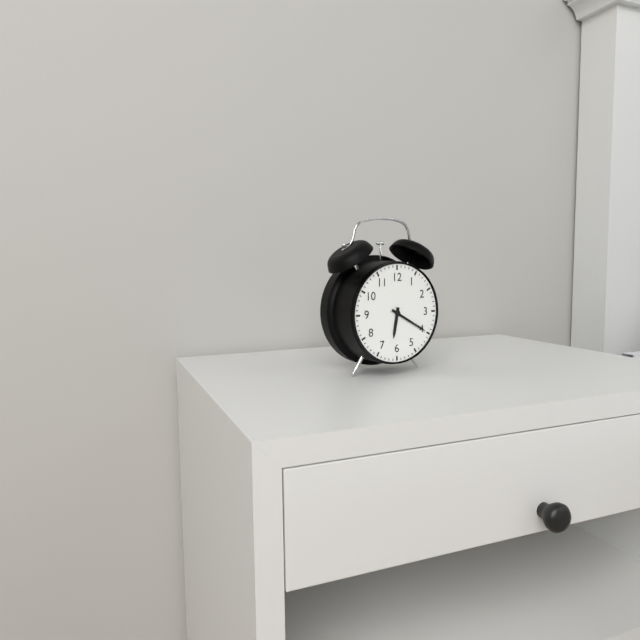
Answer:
6:20
